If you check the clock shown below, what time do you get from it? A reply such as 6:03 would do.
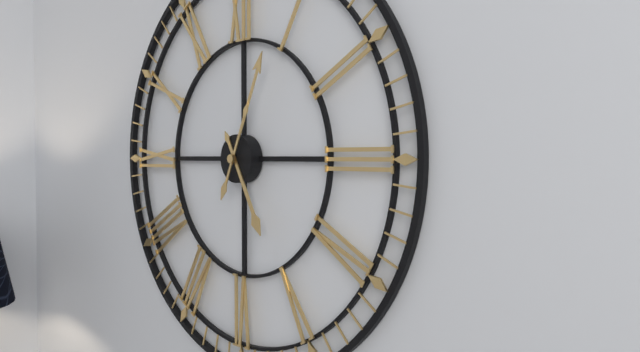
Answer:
5:04
